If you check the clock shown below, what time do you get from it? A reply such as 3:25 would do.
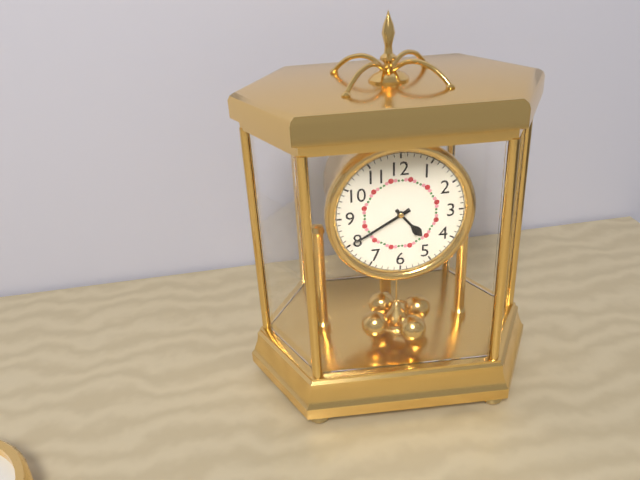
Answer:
4:40
